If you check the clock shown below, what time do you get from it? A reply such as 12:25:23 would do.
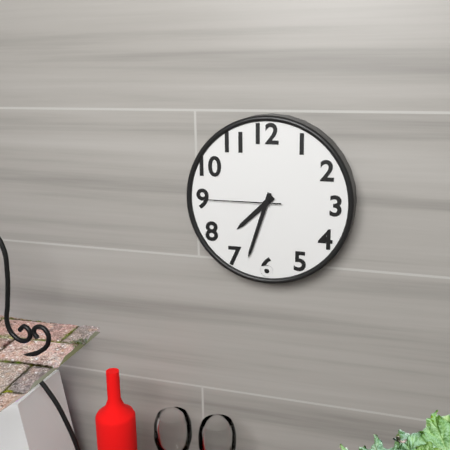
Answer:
7:33:45
